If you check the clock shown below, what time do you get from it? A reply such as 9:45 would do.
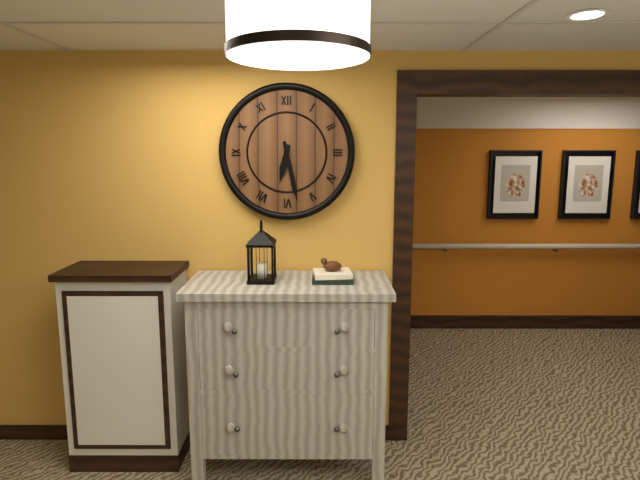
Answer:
6:28
